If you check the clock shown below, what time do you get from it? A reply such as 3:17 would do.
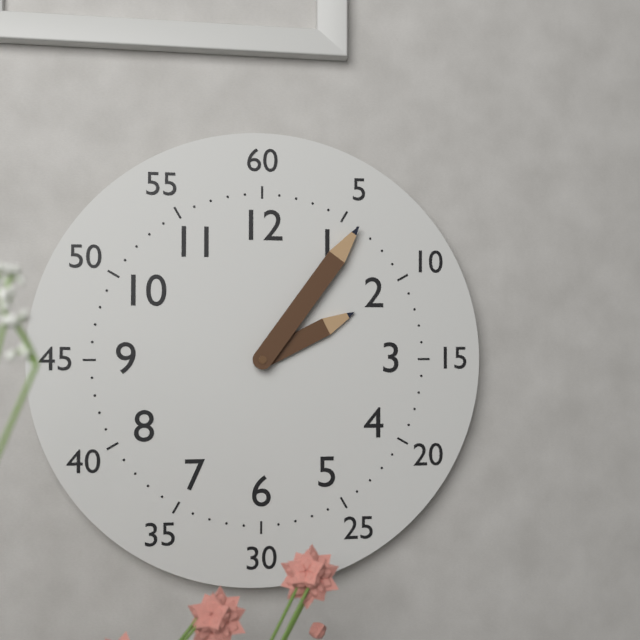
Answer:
2:06
